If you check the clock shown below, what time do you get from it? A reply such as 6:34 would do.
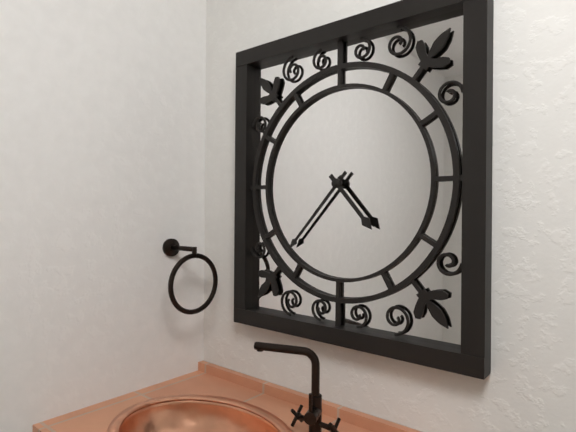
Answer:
4:37
